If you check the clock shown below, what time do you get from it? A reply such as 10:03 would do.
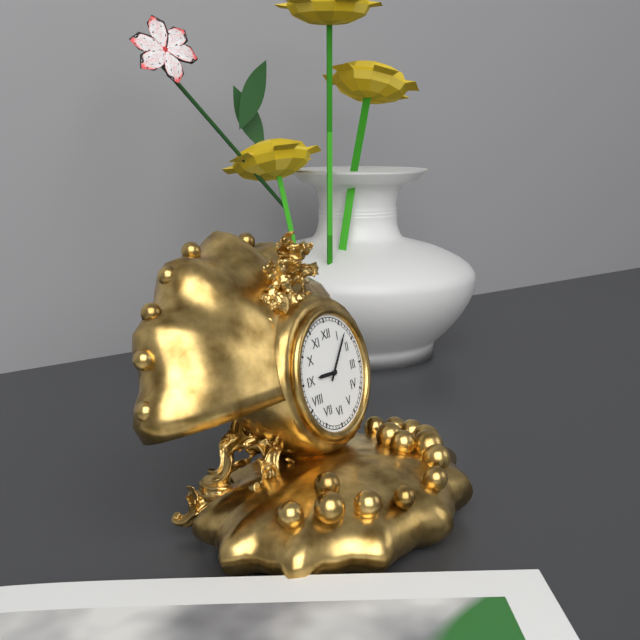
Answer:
9:07
